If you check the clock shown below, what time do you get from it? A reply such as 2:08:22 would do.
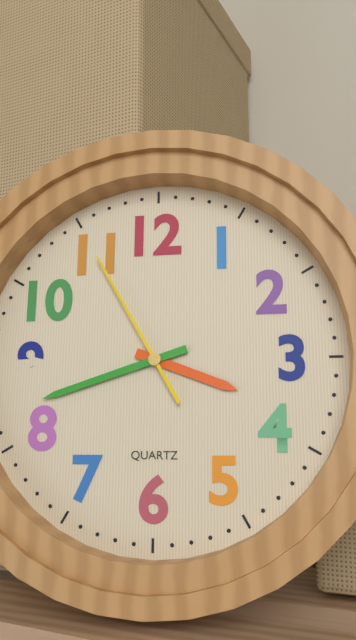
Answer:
3:42:55
